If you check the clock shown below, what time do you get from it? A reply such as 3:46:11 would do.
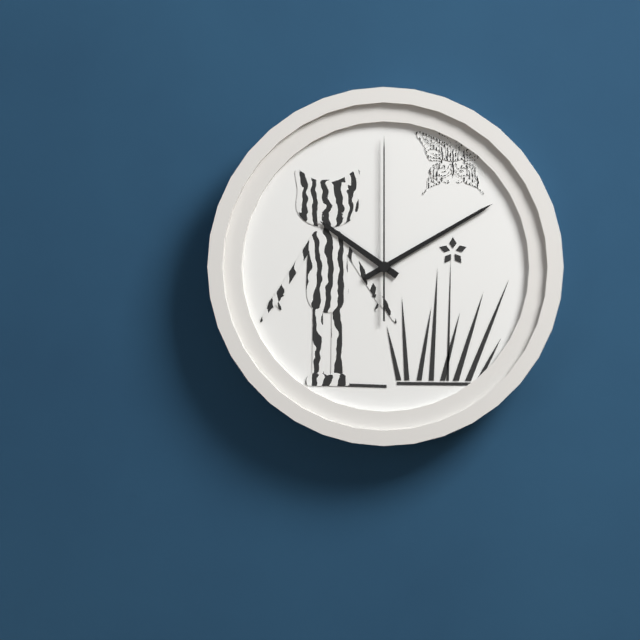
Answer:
10:10:00
